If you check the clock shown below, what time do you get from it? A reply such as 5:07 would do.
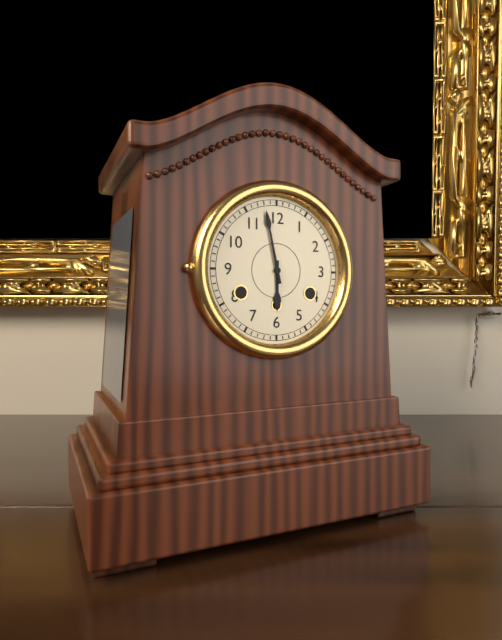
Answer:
5:58
